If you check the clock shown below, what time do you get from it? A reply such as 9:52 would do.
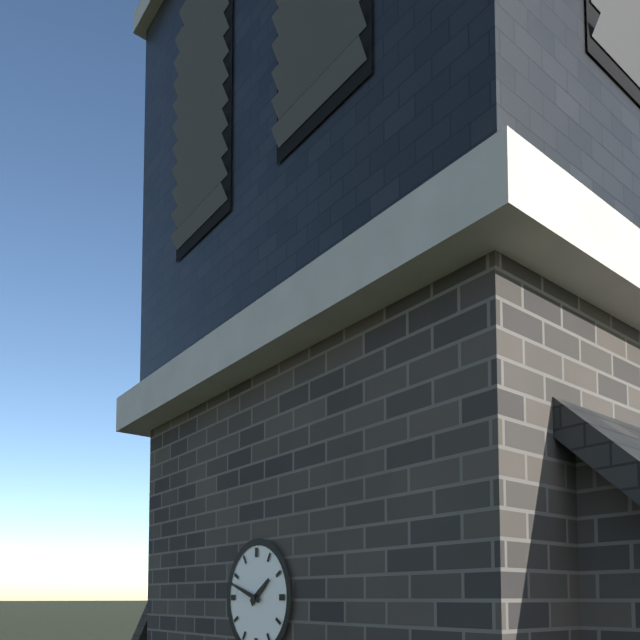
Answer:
1:48
